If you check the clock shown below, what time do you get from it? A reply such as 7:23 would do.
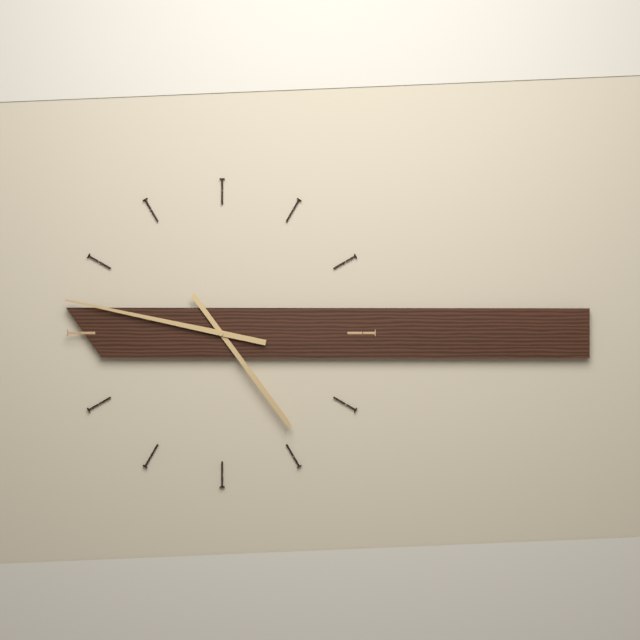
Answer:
4:47
